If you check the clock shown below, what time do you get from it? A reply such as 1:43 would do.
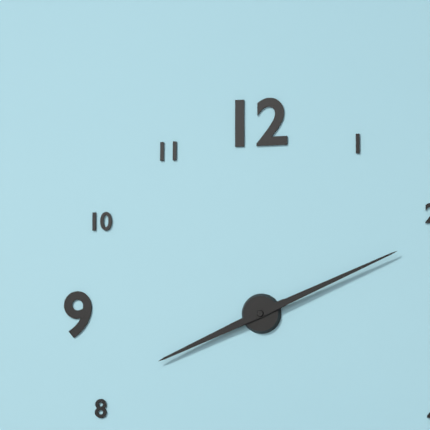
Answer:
8:11
